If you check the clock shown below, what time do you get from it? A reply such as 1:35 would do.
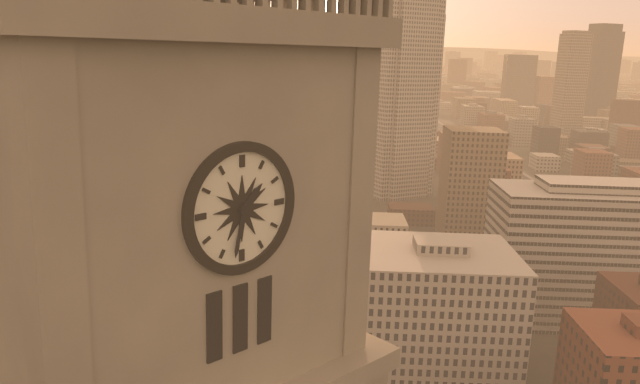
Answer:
1:32
